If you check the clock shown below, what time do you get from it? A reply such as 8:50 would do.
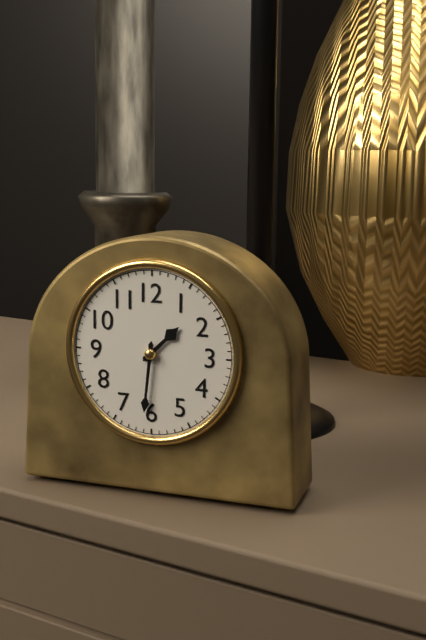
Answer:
1:31
